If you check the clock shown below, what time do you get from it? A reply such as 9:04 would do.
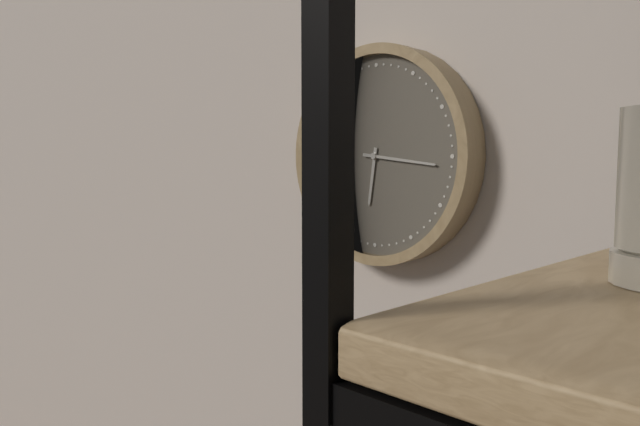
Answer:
6:16
